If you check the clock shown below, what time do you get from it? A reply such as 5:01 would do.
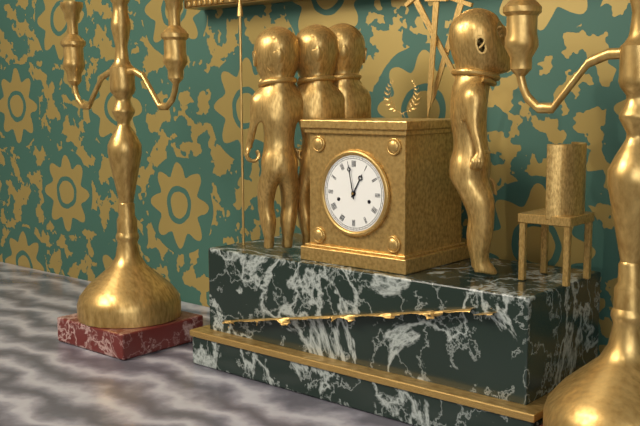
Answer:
12:58
